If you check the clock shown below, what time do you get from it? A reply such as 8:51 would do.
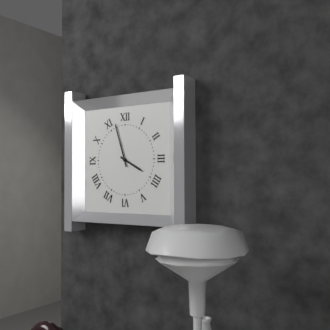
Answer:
3:57
